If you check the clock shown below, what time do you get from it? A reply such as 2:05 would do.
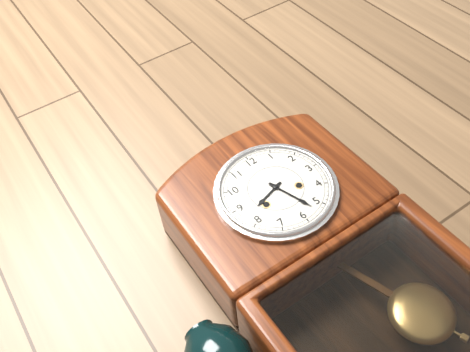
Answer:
8:27
